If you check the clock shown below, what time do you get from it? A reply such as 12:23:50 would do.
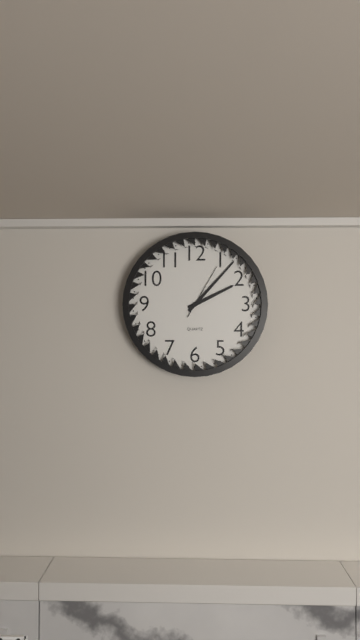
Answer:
2:07:05
